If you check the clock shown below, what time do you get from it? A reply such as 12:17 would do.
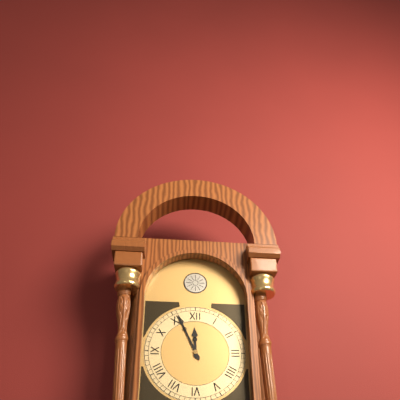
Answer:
11:56
